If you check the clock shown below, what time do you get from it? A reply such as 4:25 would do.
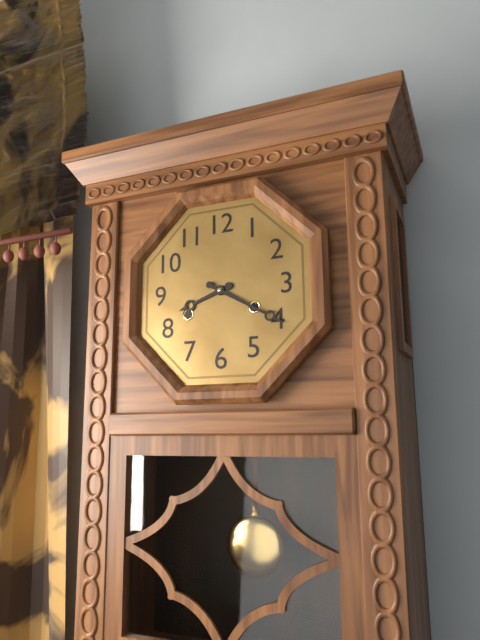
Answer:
8:20
